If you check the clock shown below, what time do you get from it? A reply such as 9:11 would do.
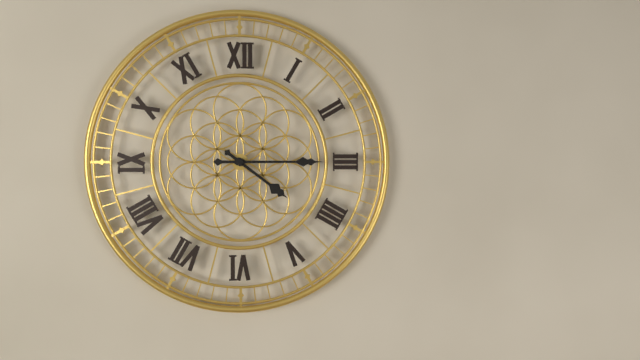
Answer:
4:15
